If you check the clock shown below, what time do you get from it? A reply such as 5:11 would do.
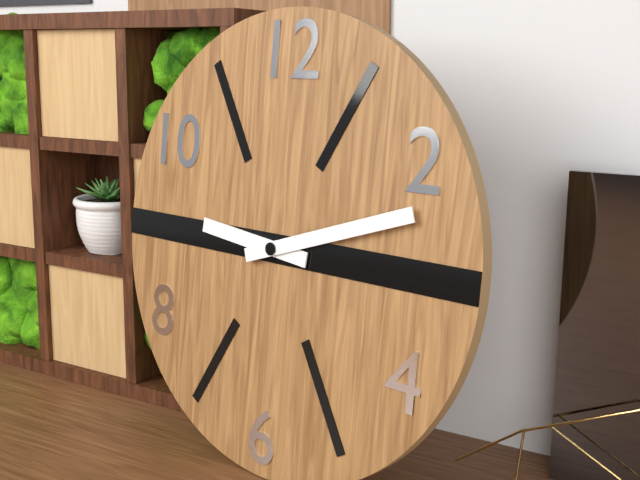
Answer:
9:12
